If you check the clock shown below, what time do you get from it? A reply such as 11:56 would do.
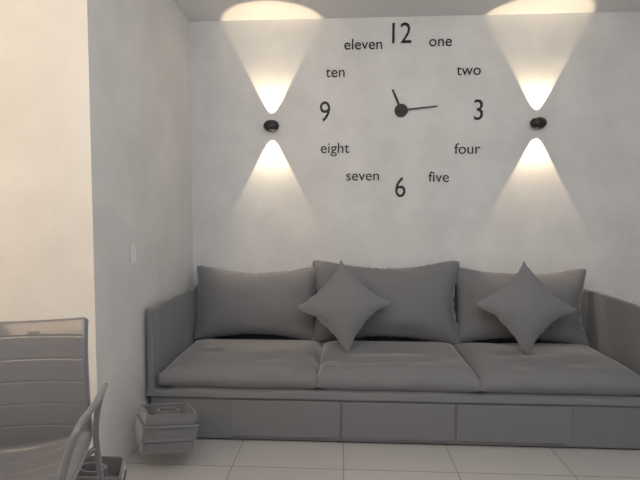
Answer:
11:14
